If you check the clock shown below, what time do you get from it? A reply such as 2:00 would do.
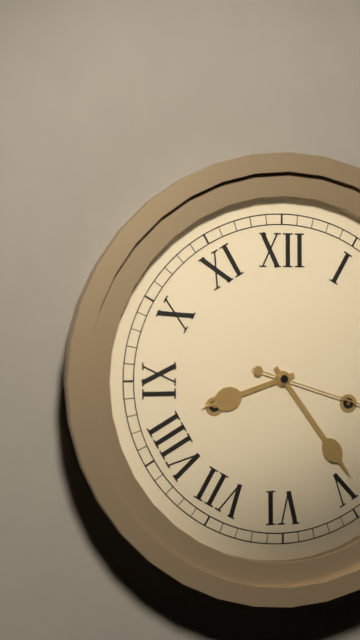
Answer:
8:24
